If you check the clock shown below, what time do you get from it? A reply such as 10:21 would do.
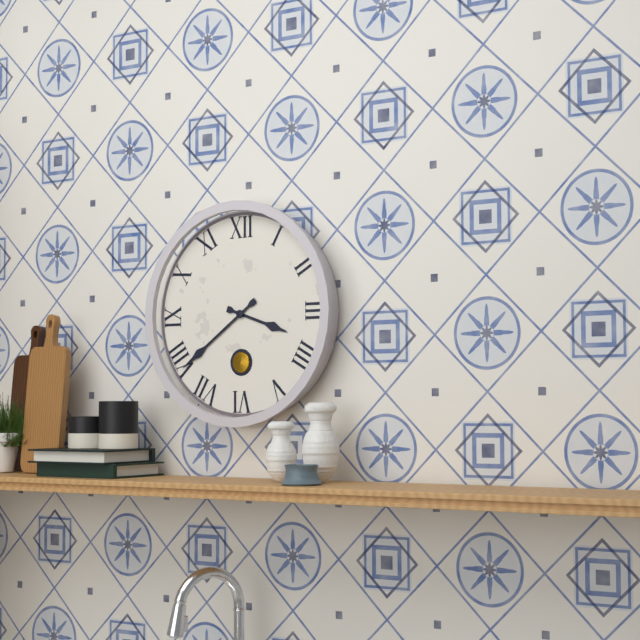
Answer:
3:39
